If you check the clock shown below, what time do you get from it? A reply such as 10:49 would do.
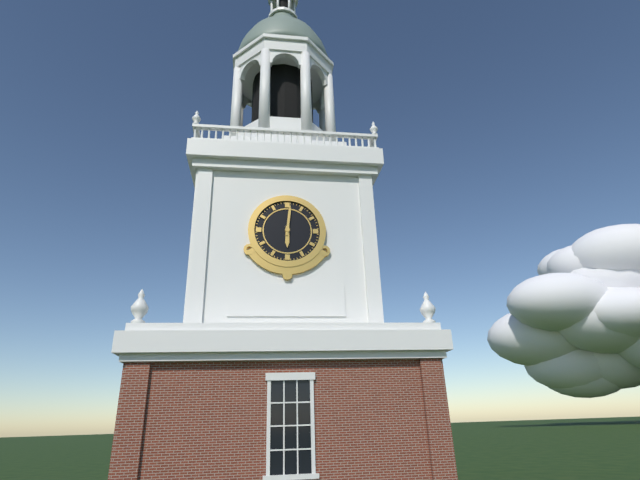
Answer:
6:01
